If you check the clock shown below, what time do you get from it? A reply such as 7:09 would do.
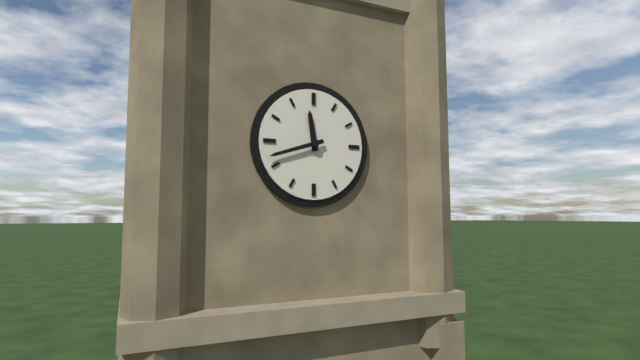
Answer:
11:42
